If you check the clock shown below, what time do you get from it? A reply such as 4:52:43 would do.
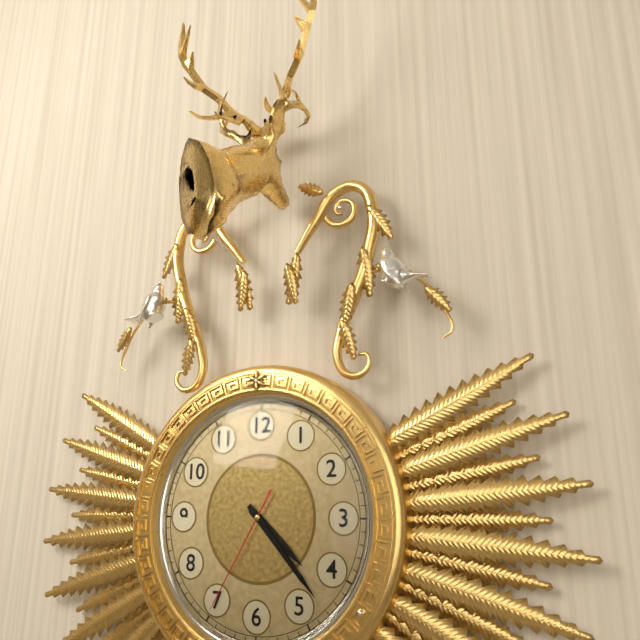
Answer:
4:23:35
